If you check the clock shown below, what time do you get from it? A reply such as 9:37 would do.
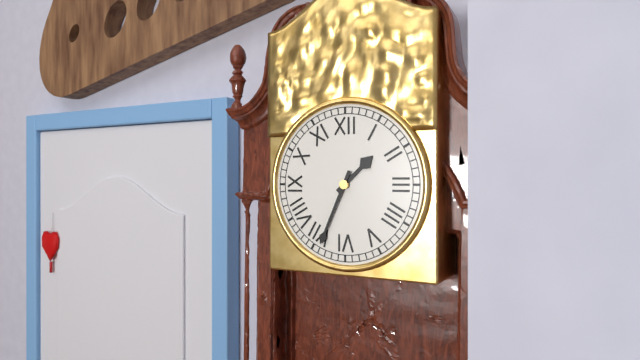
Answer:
1:34
